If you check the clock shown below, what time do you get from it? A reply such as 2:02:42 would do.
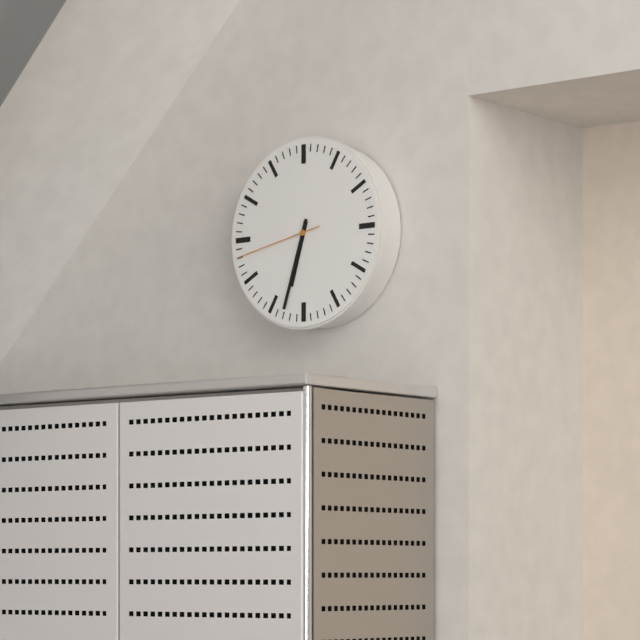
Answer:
6:33:43
